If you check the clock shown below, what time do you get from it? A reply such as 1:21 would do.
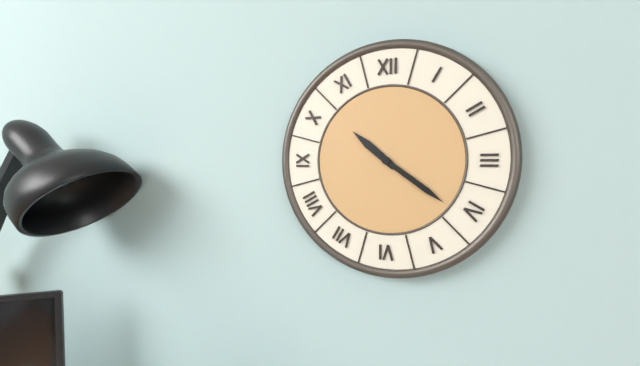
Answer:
10:21
